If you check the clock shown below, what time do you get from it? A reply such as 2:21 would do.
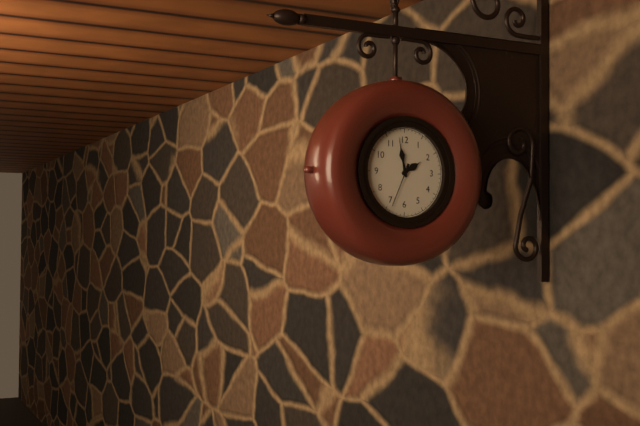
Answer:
1:58
